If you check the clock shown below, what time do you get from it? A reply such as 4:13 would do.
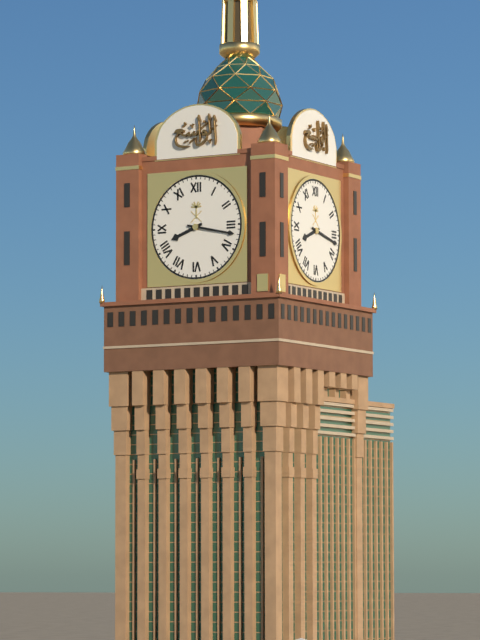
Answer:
8:17
